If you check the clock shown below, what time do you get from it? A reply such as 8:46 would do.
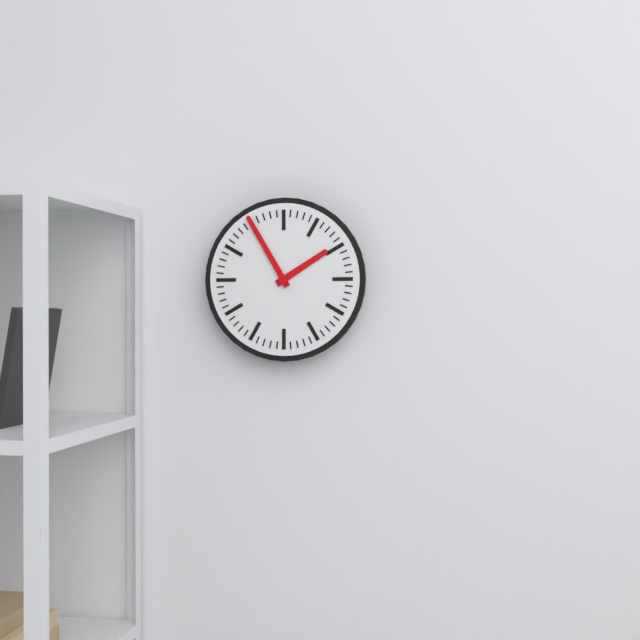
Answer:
1:55
